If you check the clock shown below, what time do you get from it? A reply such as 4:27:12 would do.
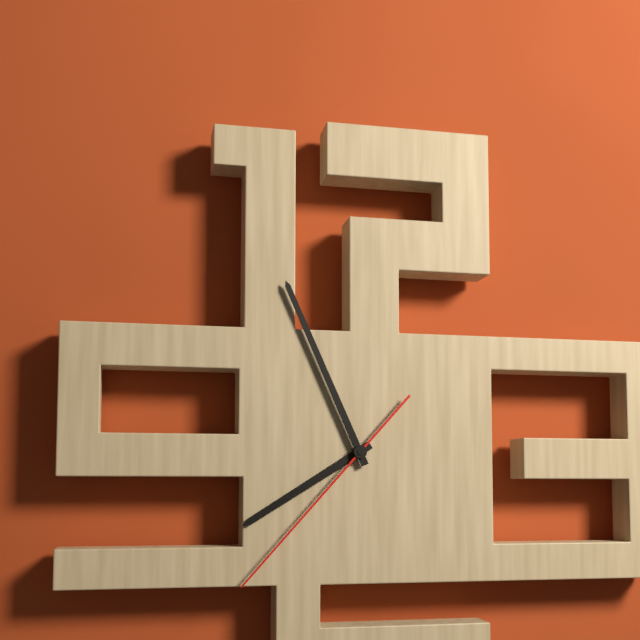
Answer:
7:56:37
